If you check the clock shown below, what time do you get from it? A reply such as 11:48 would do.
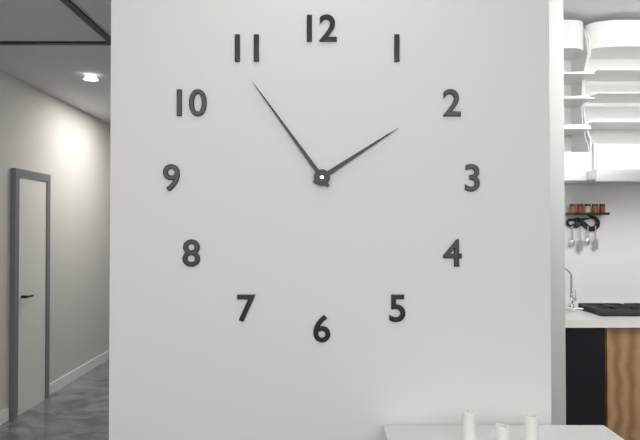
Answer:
1:54
